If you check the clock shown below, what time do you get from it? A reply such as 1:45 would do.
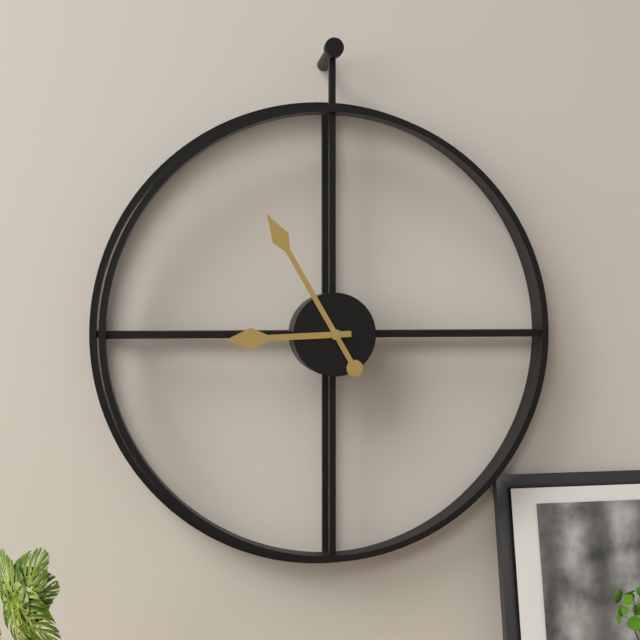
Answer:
8:55
